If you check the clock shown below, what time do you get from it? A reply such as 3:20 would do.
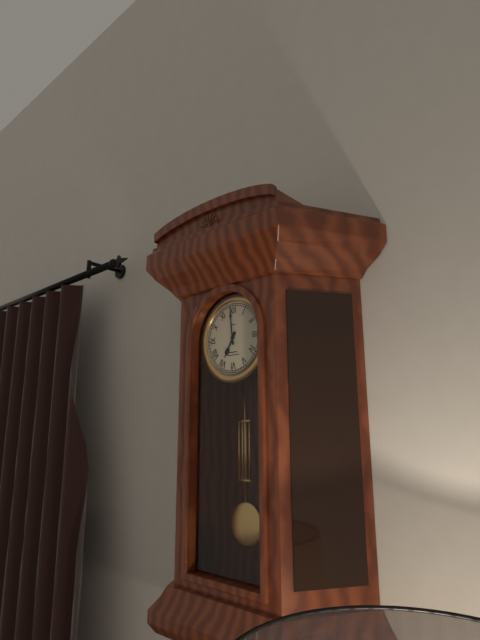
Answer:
6:59
